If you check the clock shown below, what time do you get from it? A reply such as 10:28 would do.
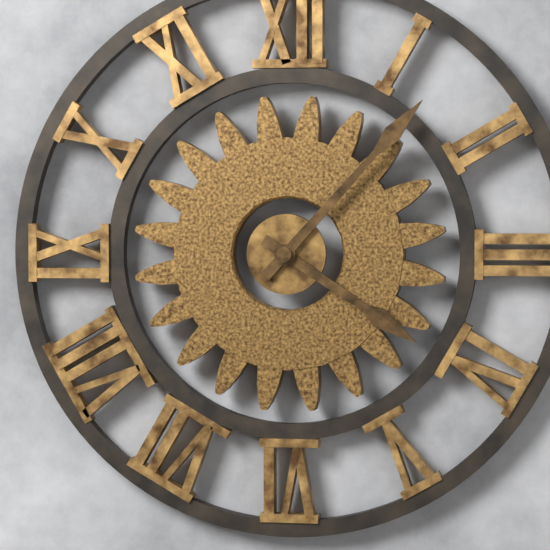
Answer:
4:07
